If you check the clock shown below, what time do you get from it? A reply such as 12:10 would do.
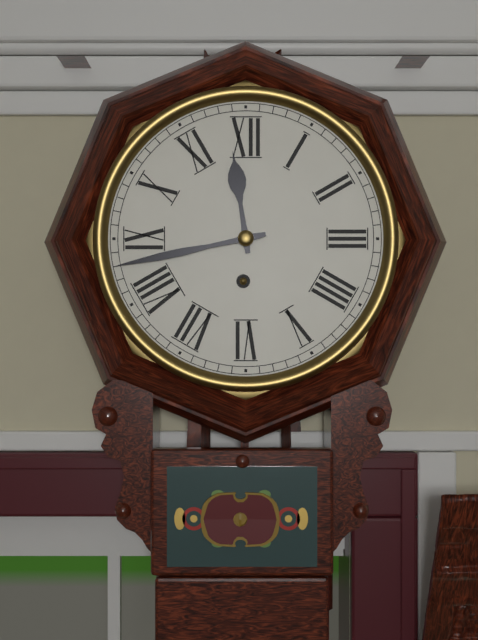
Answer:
11:43
